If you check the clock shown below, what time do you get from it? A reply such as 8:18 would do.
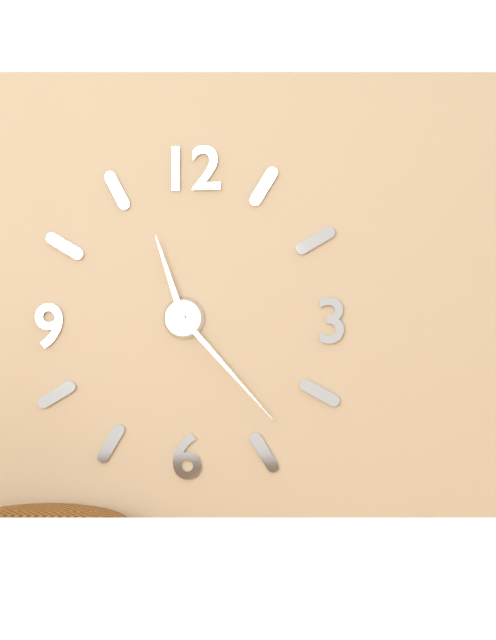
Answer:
11:23
